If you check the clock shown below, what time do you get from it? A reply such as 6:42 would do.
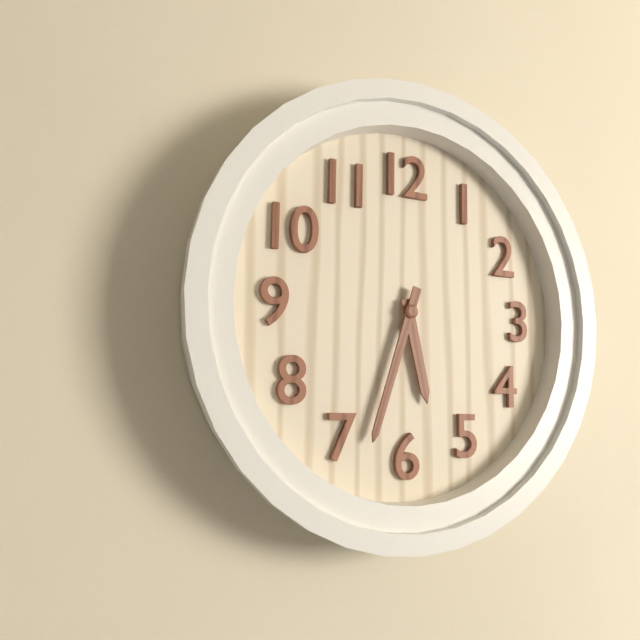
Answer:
5:33
